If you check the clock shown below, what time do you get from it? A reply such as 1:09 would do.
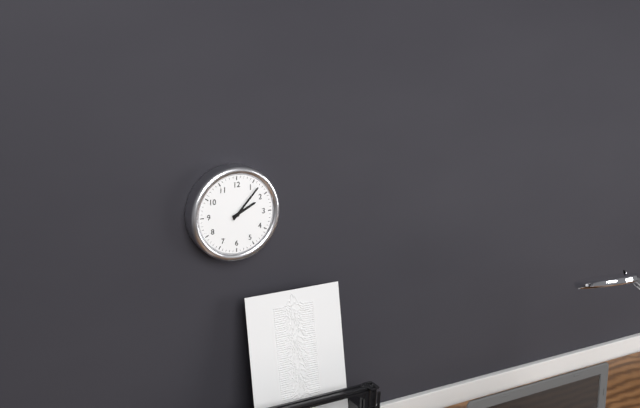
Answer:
2:07
